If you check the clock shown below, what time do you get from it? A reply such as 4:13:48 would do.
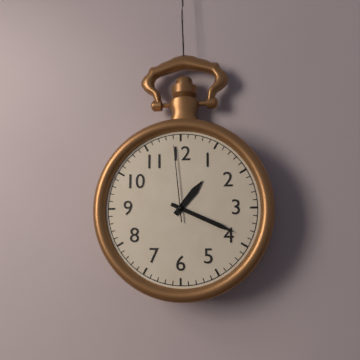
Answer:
1:19:59
